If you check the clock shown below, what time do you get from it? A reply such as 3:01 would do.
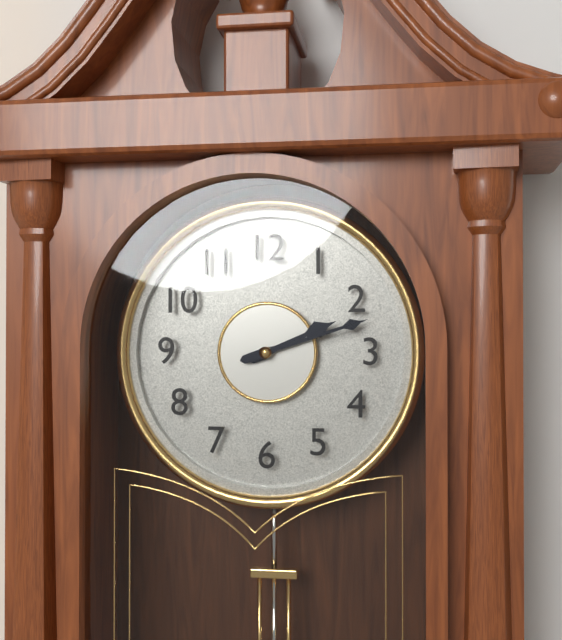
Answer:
2:12
